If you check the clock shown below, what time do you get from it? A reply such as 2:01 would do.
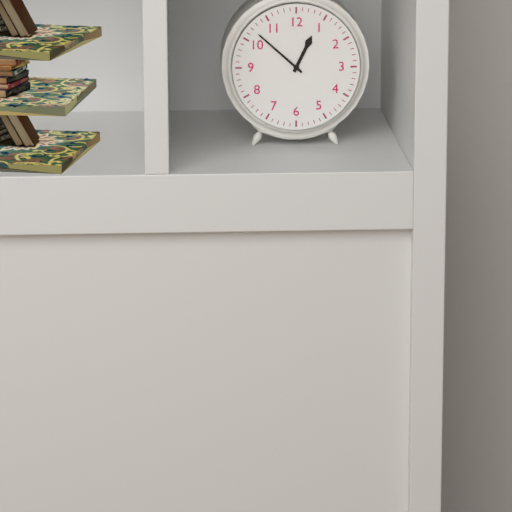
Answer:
12:52
